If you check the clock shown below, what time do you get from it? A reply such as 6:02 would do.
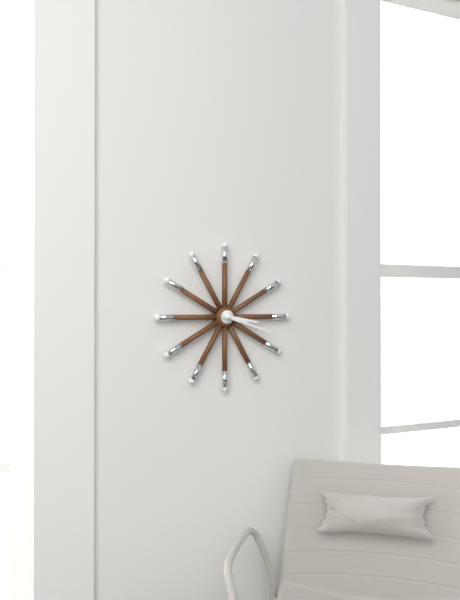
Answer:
3:18
